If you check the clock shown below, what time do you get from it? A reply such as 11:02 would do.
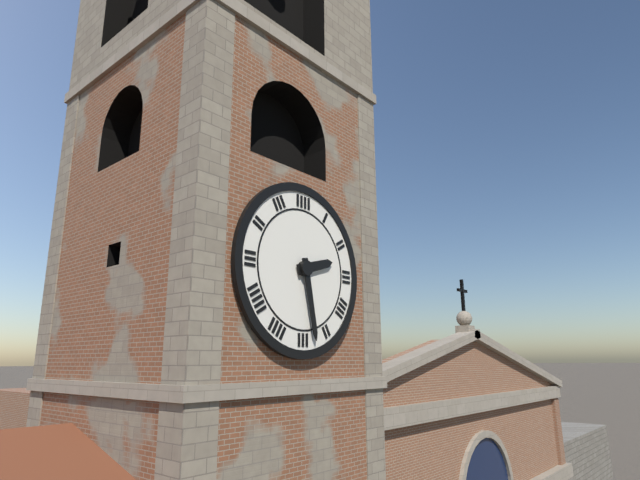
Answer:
2:28
